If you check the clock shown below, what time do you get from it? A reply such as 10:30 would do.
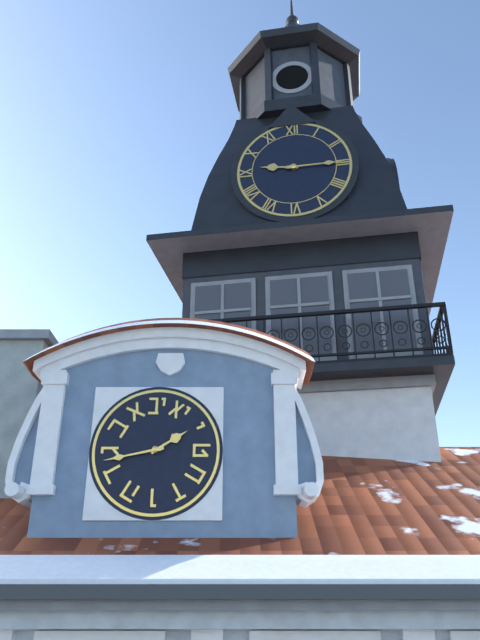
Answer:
9:15
